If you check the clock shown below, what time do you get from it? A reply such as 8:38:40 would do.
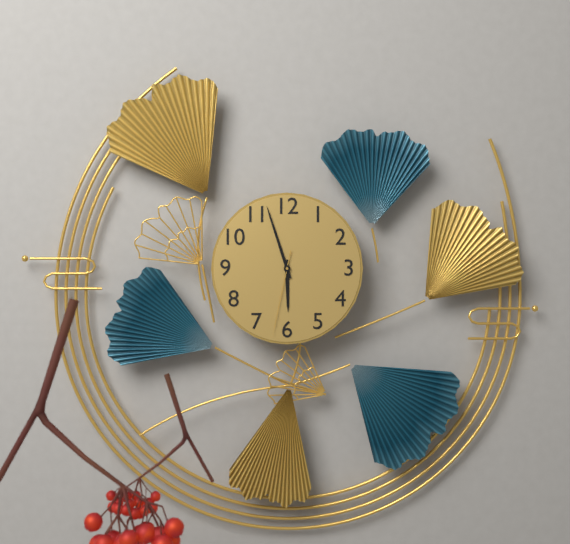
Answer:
5:57:32
